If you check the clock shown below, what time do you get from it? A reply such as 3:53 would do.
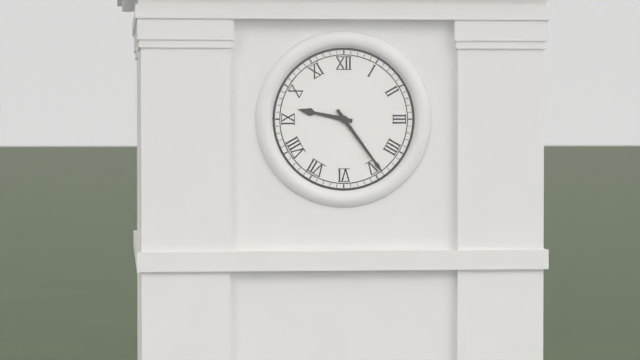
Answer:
9:24
